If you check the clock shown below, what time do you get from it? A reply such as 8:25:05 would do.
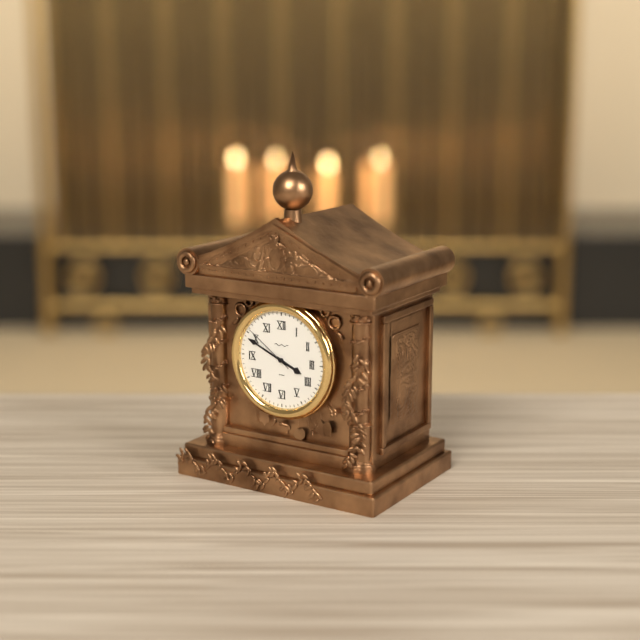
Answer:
3:49:51
